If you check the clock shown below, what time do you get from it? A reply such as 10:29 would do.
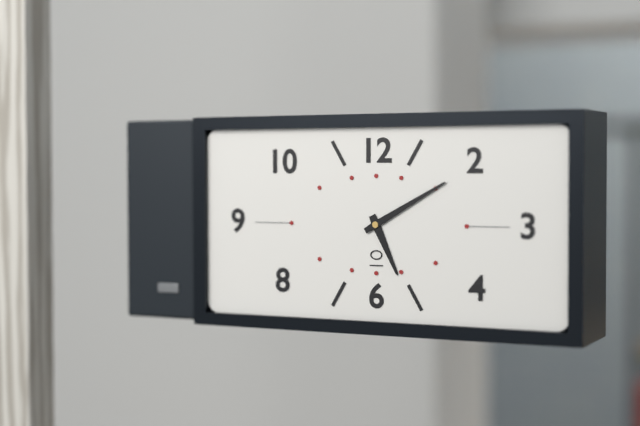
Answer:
5:10
